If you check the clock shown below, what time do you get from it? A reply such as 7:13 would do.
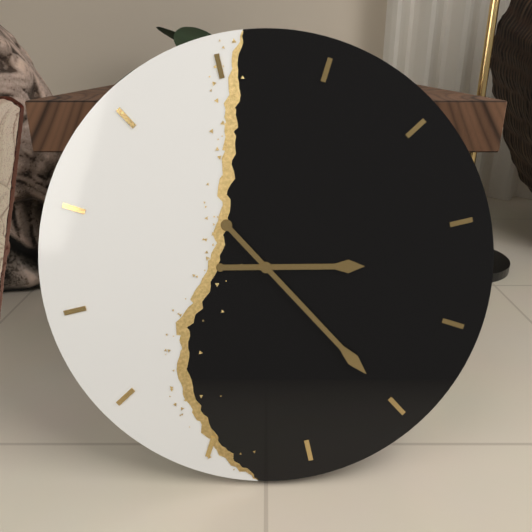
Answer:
3:25
